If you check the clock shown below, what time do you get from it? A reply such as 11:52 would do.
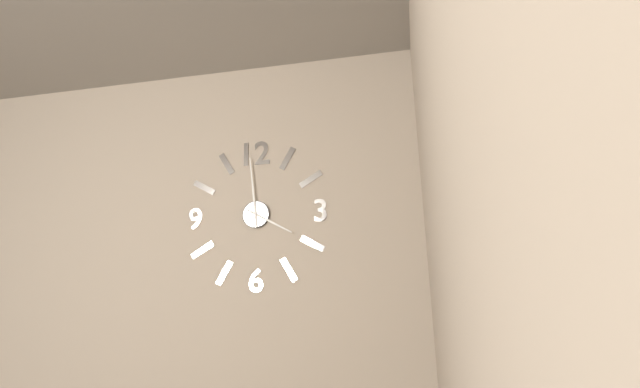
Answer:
3:59
